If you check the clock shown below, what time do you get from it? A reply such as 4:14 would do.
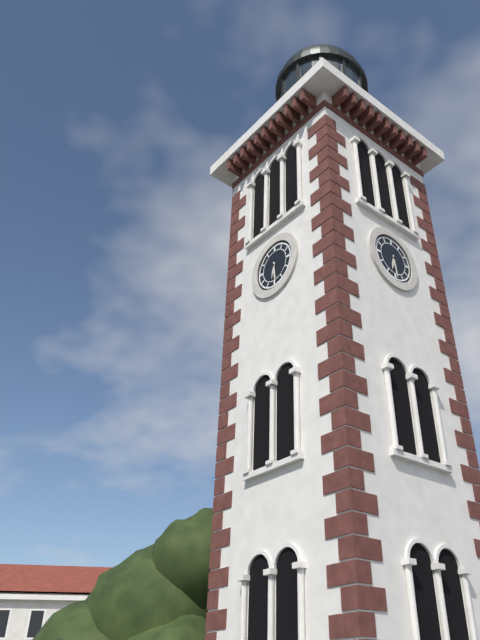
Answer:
6:29
